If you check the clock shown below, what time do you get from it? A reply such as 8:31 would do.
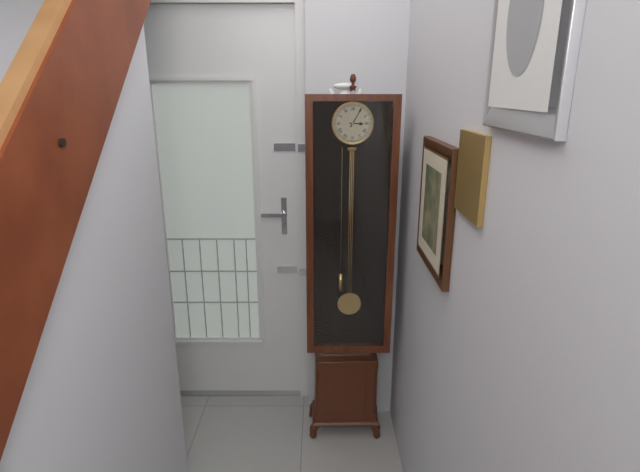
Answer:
3:05
